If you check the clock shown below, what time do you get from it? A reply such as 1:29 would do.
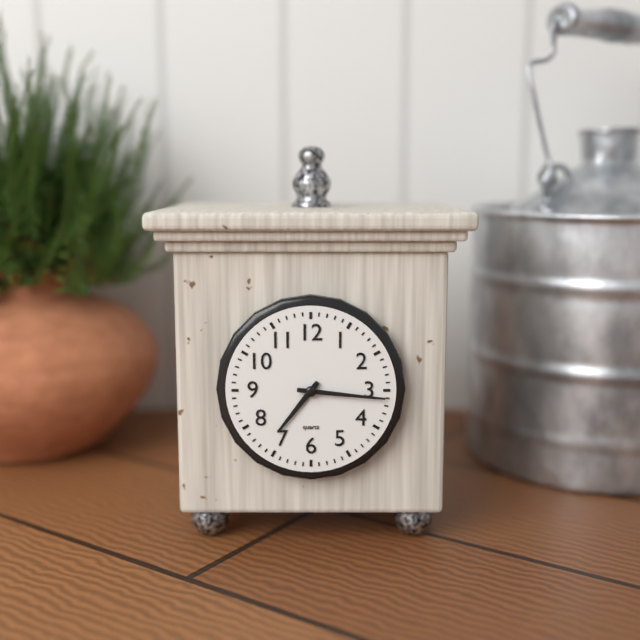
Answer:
7:16
